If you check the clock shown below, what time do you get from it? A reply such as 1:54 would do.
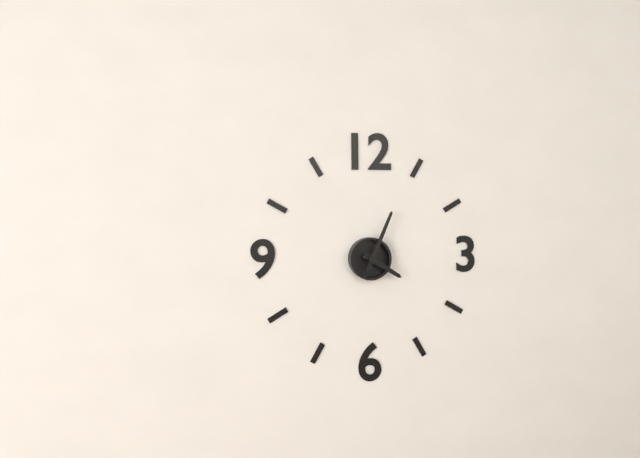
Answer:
4:04
